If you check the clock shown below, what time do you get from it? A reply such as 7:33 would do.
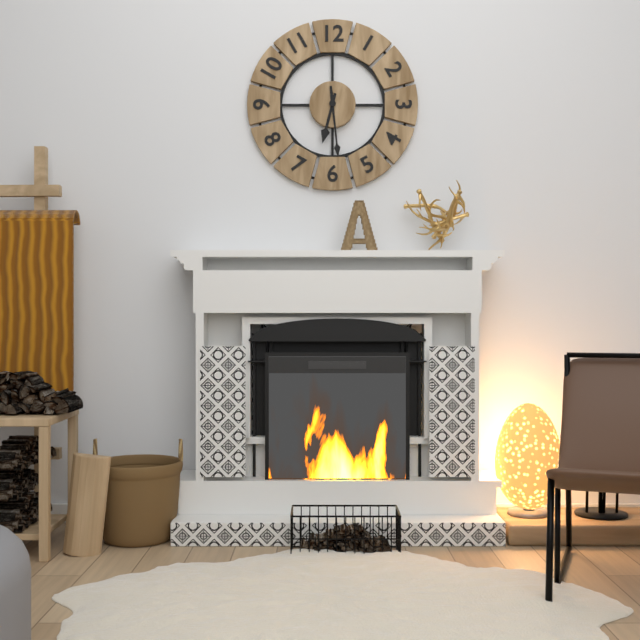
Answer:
6:29
